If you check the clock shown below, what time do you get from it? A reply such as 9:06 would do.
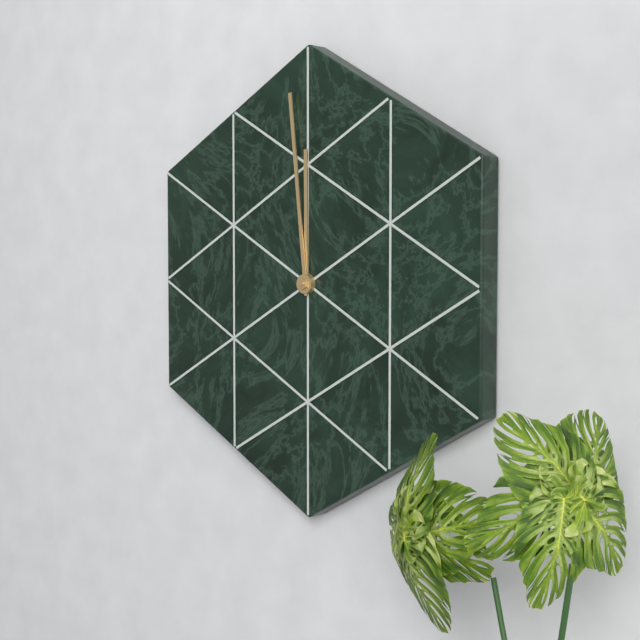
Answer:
11:59
